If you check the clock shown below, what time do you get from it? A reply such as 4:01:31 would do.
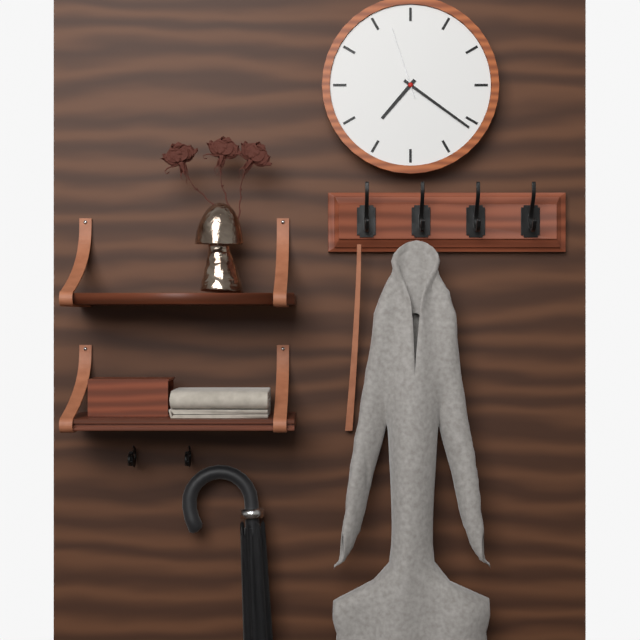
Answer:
7:21:57
